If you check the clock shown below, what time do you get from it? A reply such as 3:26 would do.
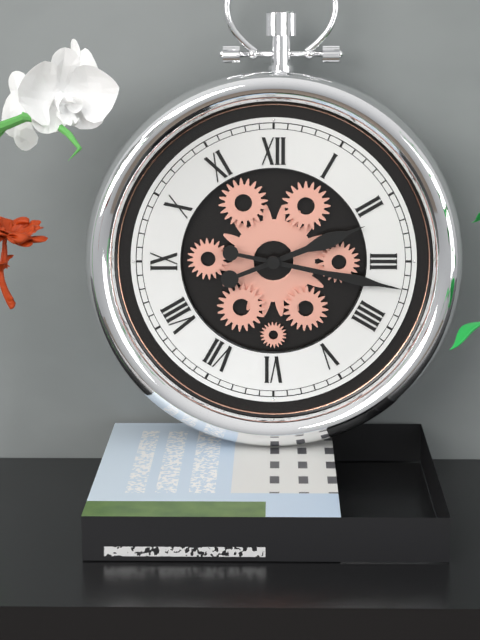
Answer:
2:17
